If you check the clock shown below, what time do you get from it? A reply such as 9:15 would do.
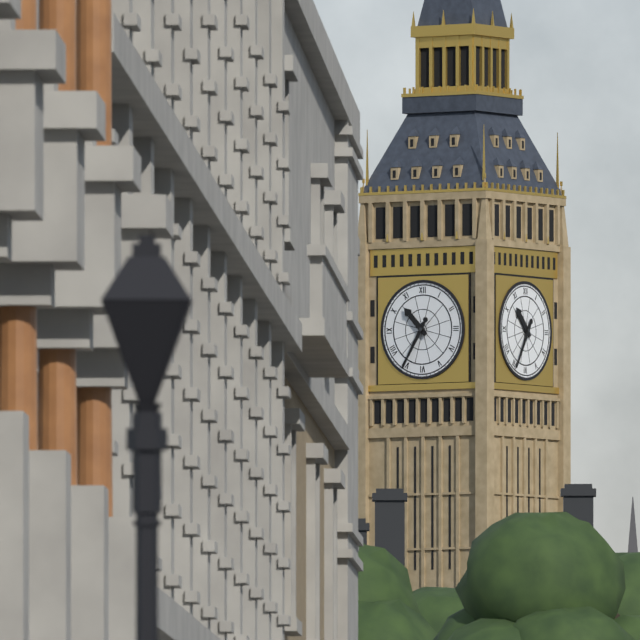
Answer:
10:35
